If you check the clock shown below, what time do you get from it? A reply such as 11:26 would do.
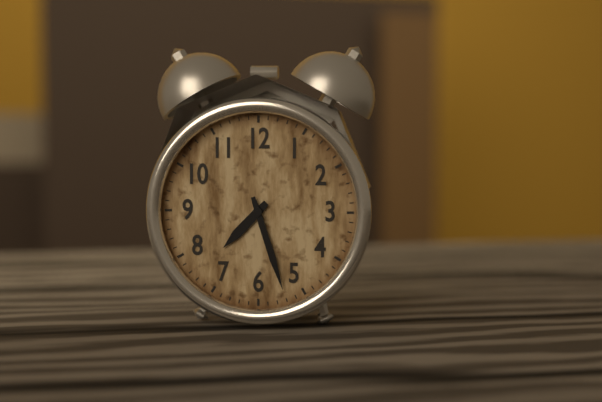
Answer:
7:27
